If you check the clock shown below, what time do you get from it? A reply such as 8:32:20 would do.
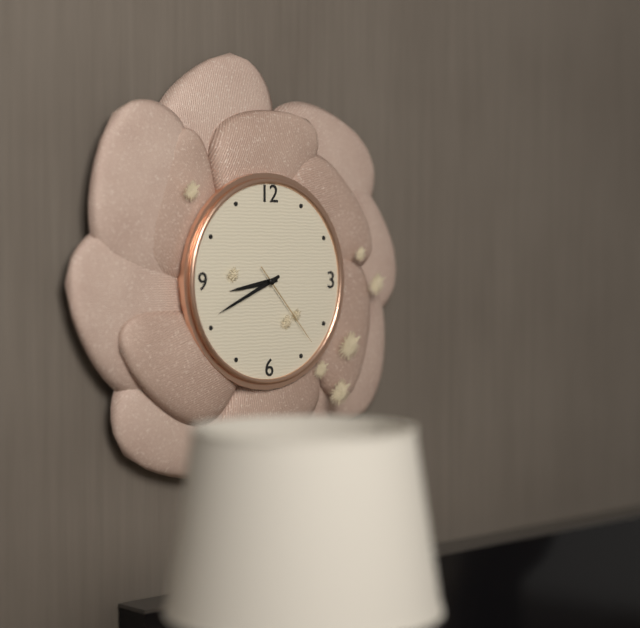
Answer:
8:41:23
